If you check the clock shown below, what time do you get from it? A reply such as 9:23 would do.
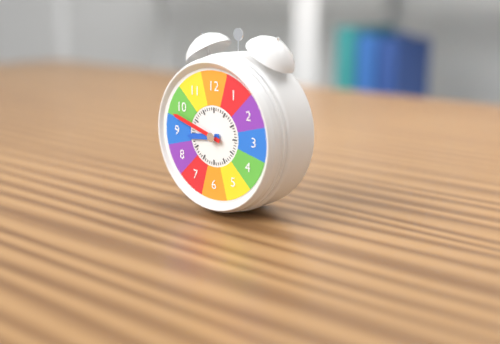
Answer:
8:48
